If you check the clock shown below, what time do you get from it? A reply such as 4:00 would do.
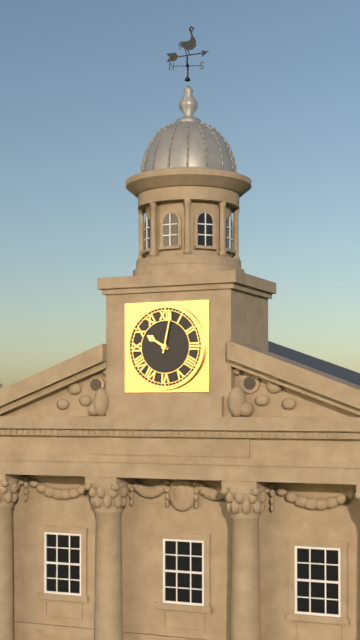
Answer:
10:02
